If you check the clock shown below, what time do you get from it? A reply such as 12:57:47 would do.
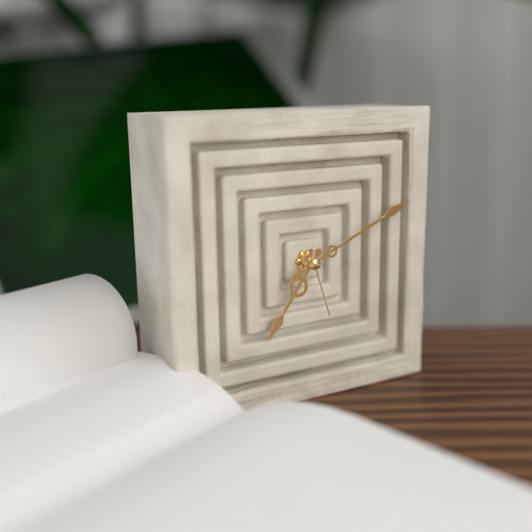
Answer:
7:11:27
